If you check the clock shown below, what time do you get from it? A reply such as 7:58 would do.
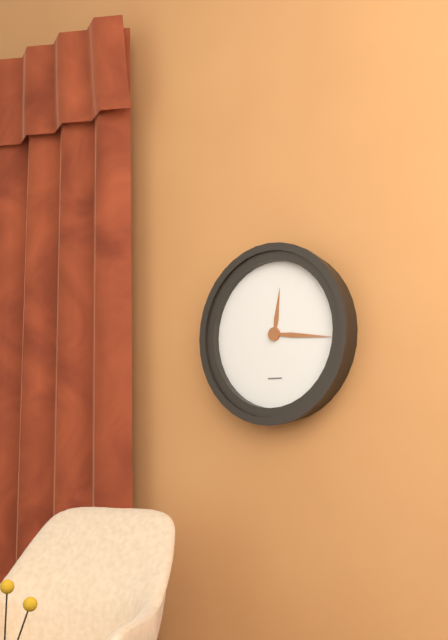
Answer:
12:16
